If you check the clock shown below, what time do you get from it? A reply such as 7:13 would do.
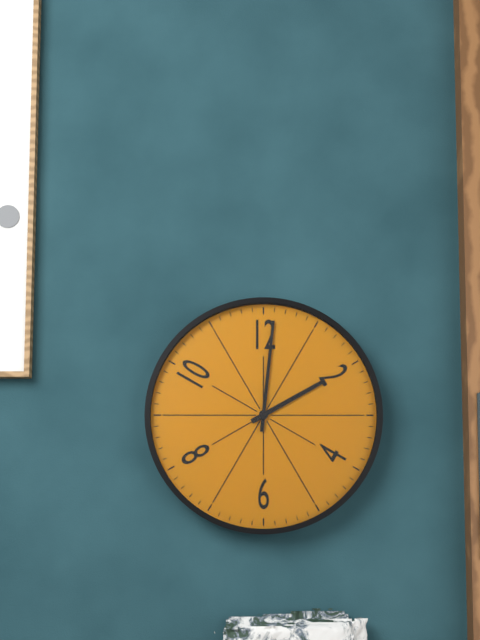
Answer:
2:01
